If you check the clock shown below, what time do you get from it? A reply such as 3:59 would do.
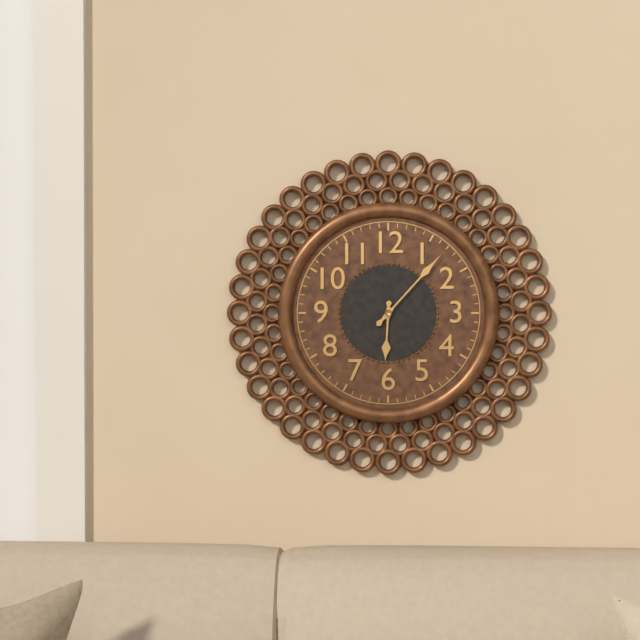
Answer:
6:07
